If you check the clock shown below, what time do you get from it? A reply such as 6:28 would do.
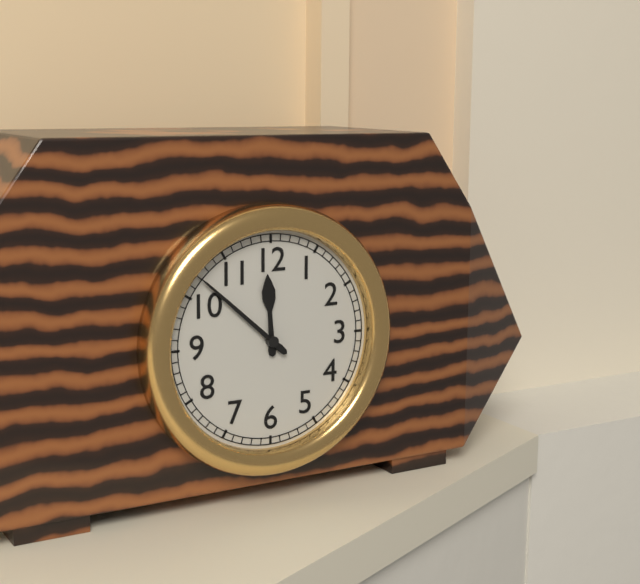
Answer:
11:52
